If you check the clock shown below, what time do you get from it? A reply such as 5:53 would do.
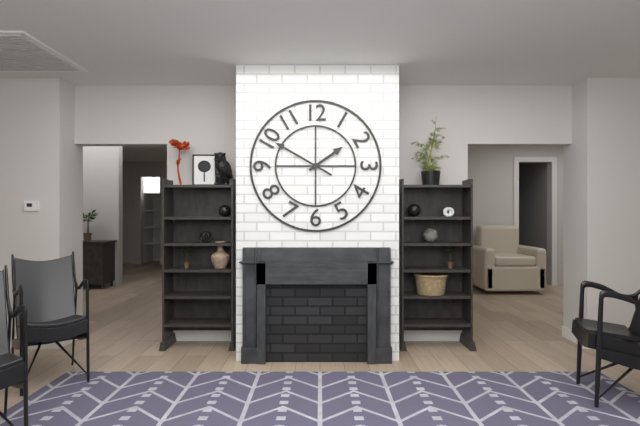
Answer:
1:50
